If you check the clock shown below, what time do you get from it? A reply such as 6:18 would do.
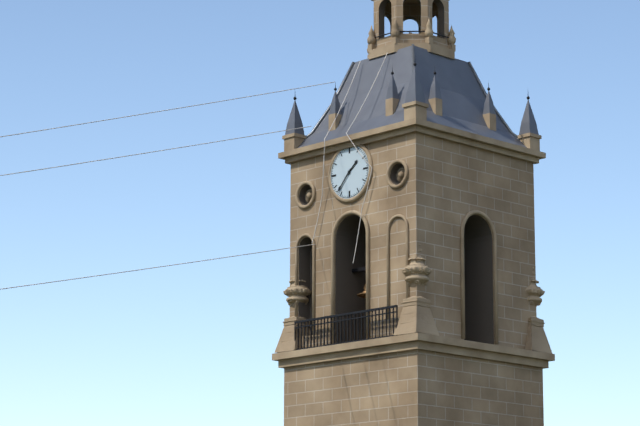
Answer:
1:37
